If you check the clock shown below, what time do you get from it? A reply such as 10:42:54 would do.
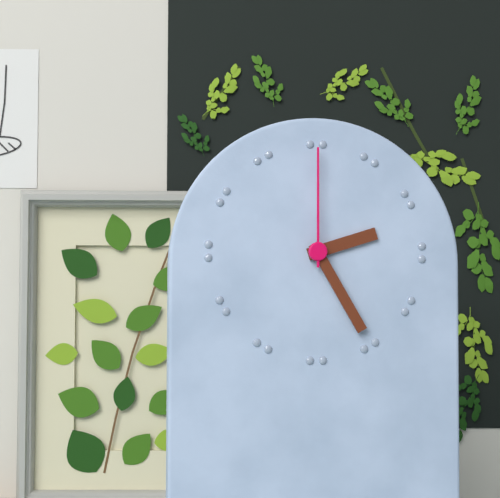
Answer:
2:25:00
